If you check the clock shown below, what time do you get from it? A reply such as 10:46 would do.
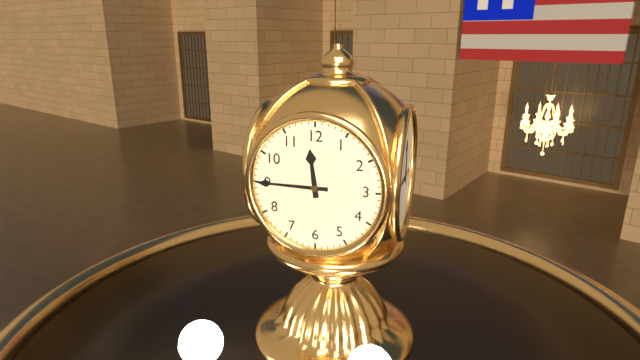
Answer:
11:45
